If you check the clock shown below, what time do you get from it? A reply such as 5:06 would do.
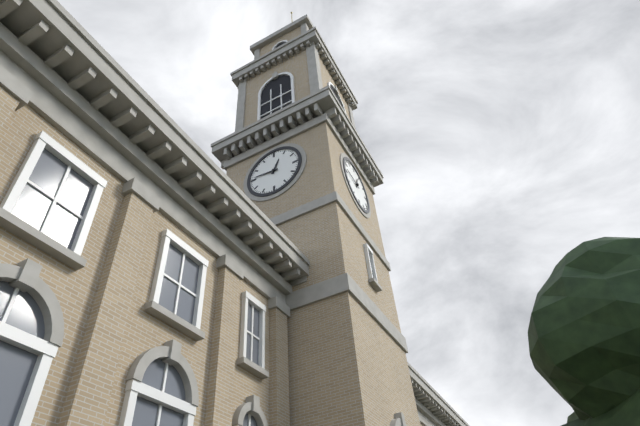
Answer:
12:46
